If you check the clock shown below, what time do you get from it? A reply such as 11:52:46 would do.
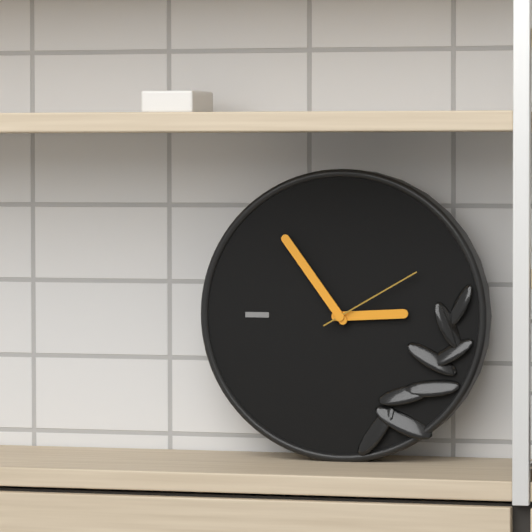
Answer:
2:54:10
